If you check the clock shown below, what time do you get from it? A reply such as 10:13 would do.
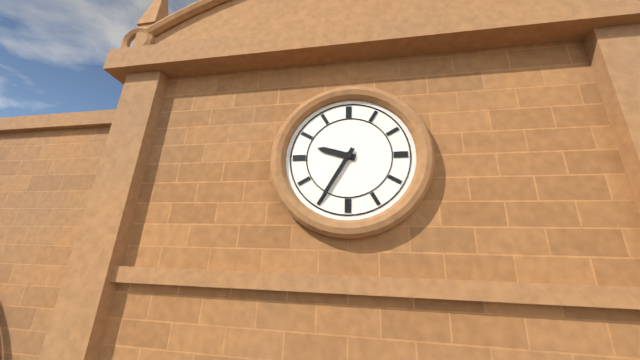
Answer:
9:35
